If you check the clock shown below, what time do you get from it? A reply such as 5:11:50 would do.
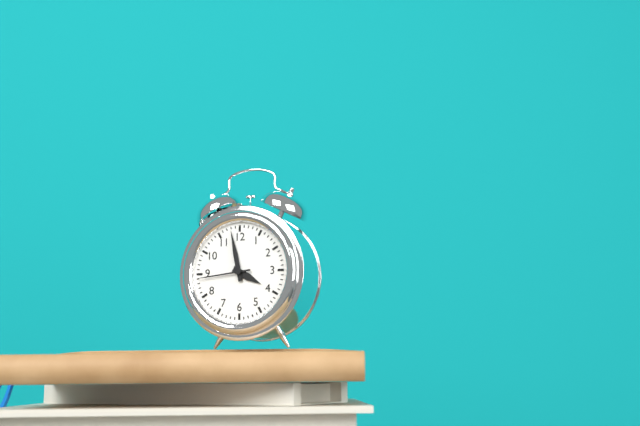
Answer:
3:58:44
